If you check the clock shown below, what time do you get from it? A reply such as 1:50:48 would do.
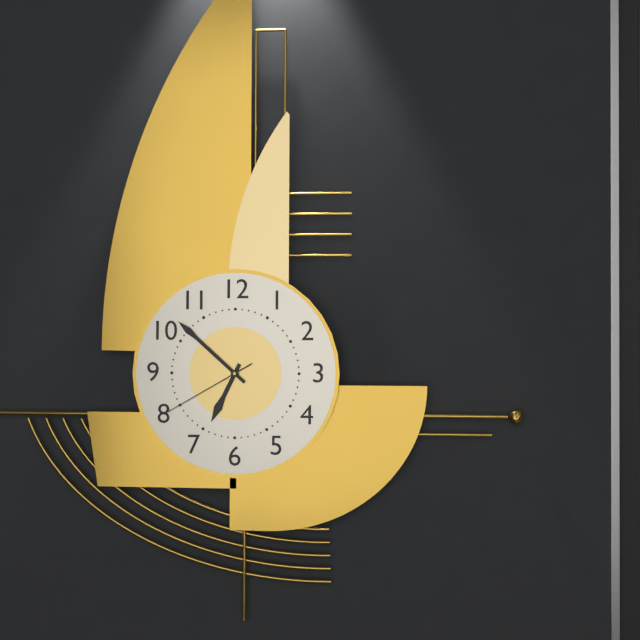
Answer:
6:52:40
